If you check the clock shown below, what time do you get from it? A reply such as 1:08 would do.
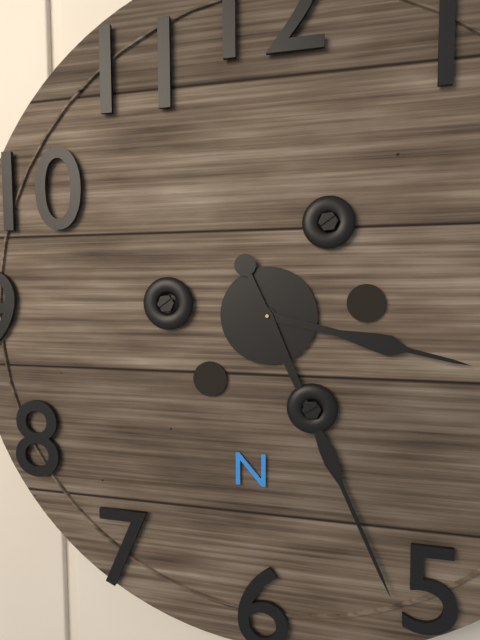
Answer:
3:26
